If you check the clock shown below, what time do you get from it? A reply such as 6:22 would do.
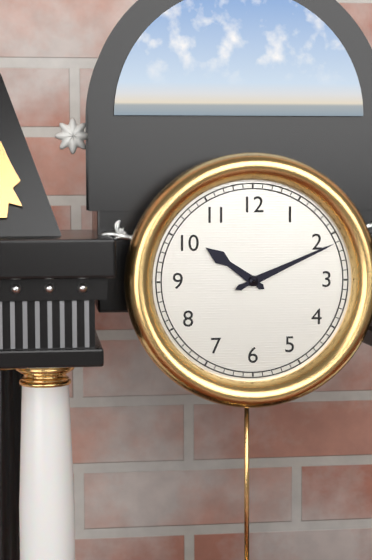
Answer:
10:11
